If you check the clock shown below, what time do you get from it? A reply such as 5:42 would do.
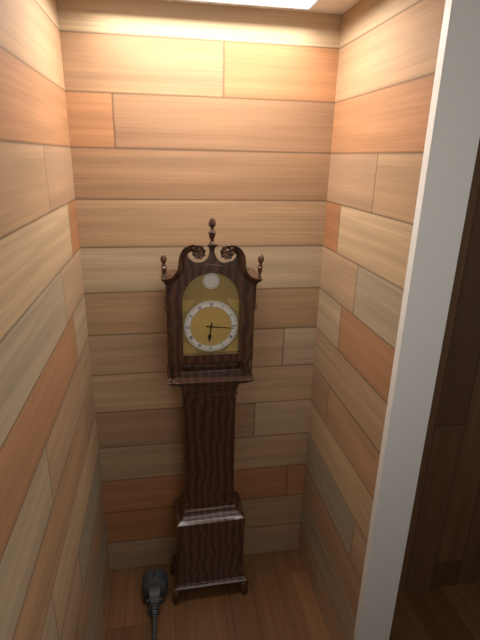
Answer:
6:16
